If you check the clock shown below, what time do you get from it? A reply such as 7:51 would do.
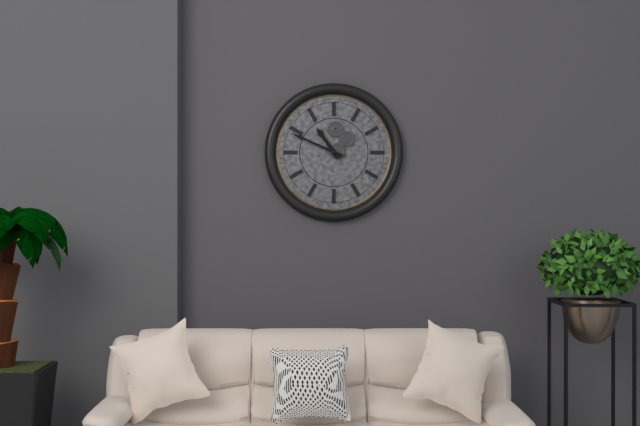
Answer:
10:49
